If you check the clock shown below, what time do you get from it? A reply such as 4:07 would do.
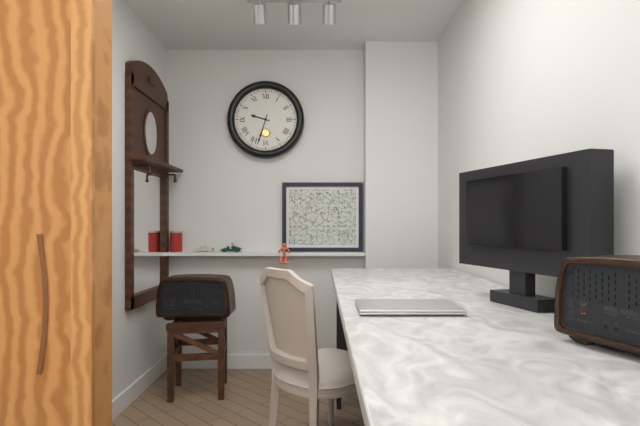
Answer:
9:33
